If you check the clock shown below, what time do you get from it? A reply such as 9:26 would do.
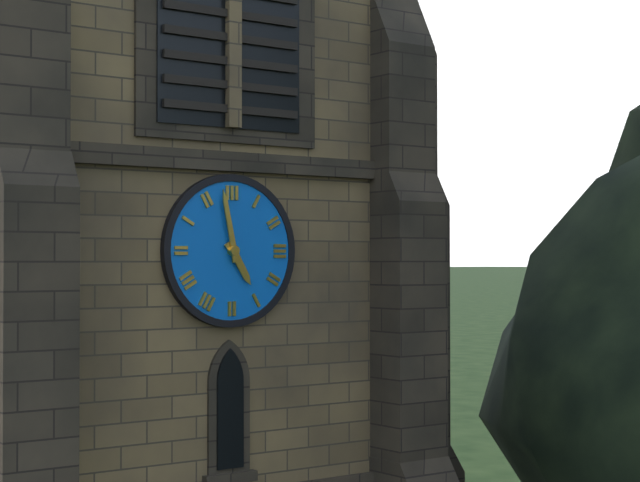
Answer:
4:58
